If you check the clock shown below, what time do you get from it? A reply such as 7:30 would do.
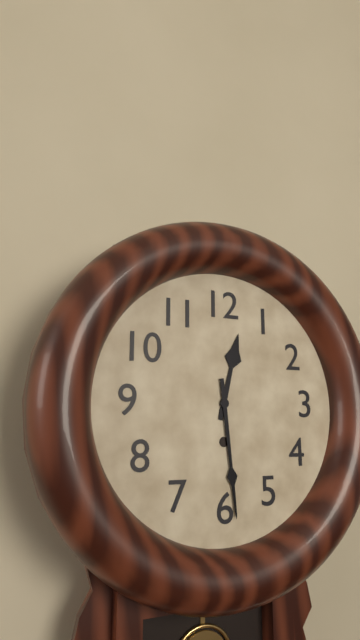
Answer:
12:29
